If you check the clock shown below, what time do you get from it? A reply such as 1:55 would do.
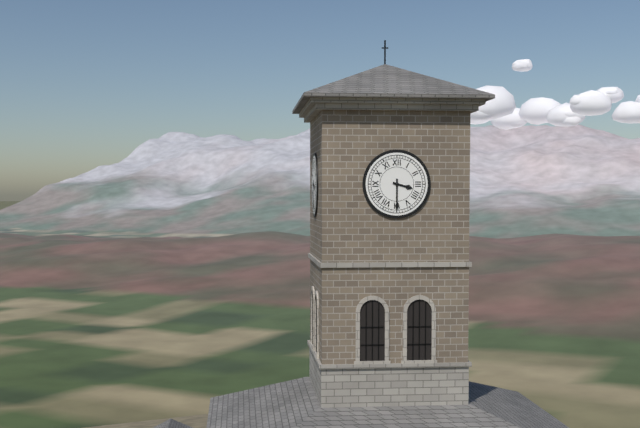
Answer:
3:30
